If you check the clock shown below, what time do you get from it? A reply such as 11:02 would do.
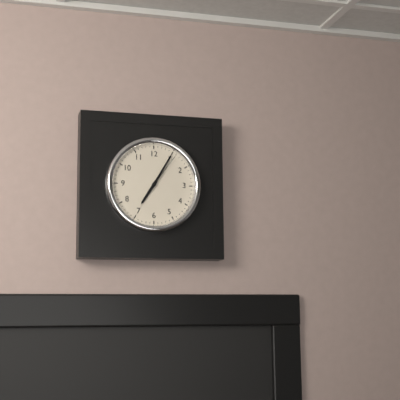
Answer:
7:05
